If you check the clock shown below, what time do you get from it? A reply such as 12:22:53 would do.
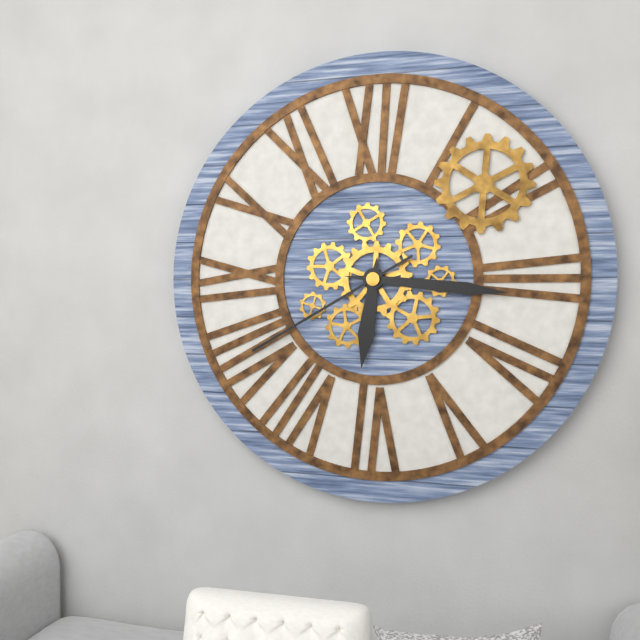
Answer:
6:16:40
